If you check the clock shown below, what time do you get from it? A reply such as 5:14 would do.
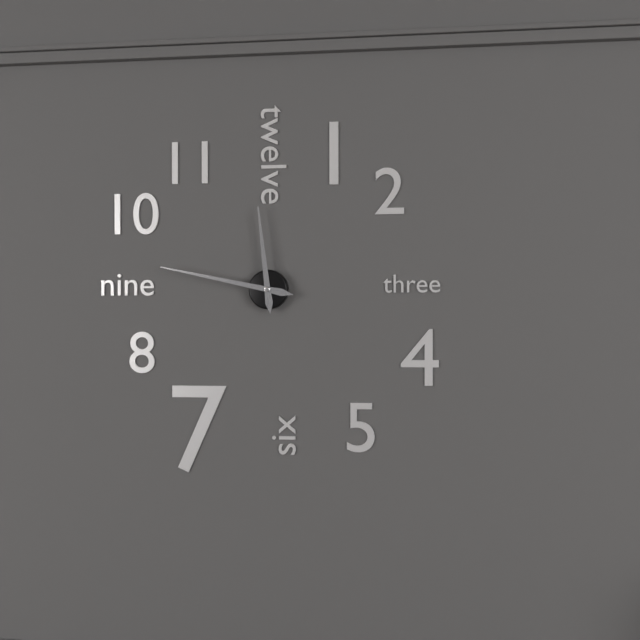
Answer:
11:47
